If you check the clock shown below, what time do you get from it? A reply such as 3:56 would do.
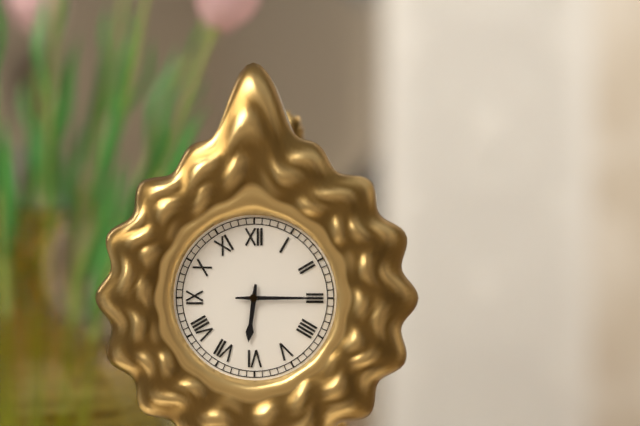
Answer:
6:15
